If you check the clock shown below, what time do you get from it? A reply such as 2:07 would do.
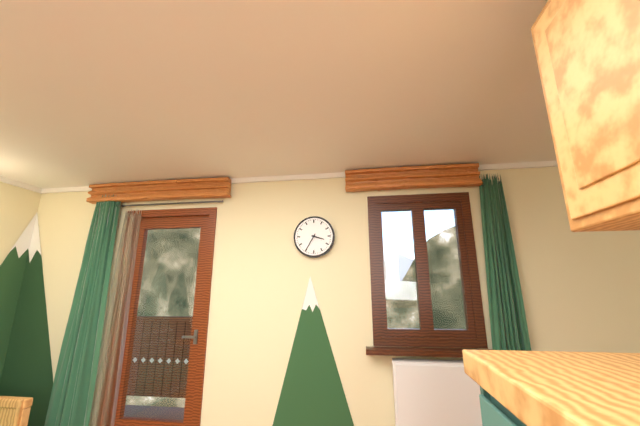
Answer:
3:35
